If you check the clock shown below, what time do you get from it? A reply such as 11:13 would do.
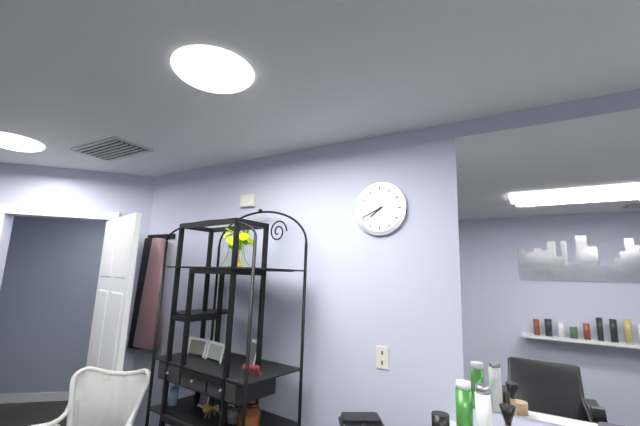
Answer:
7:41
